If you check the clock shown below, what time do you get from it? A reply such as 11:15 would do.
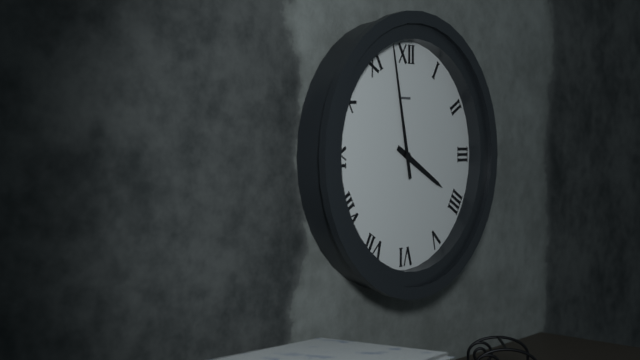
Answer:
3:58
